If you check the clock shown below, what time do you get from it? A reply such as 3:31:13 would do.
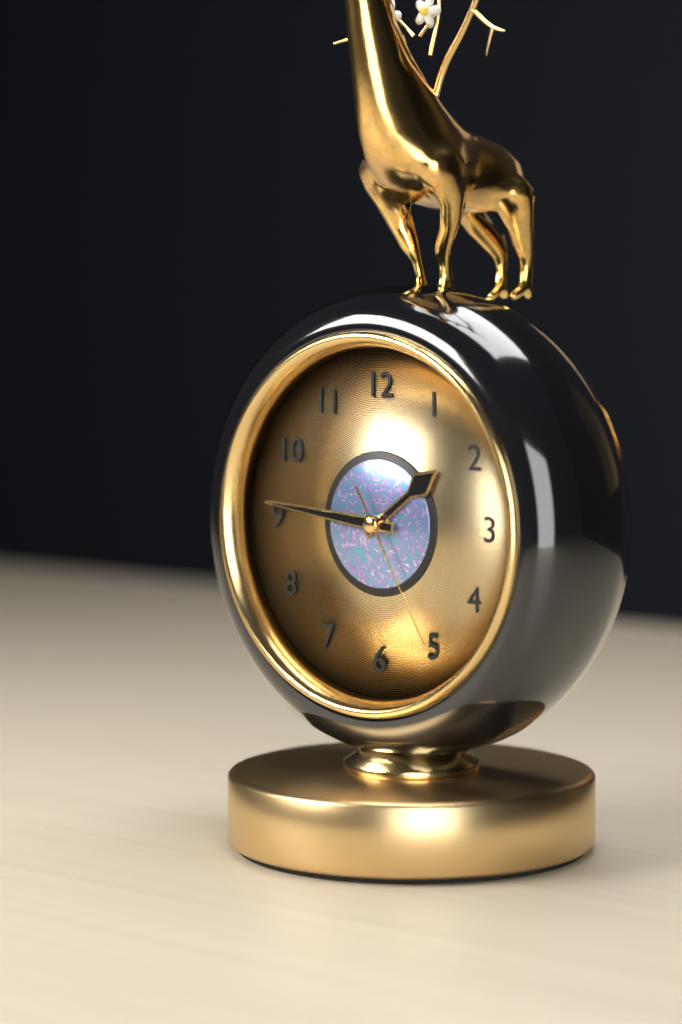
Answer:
1:46:25
